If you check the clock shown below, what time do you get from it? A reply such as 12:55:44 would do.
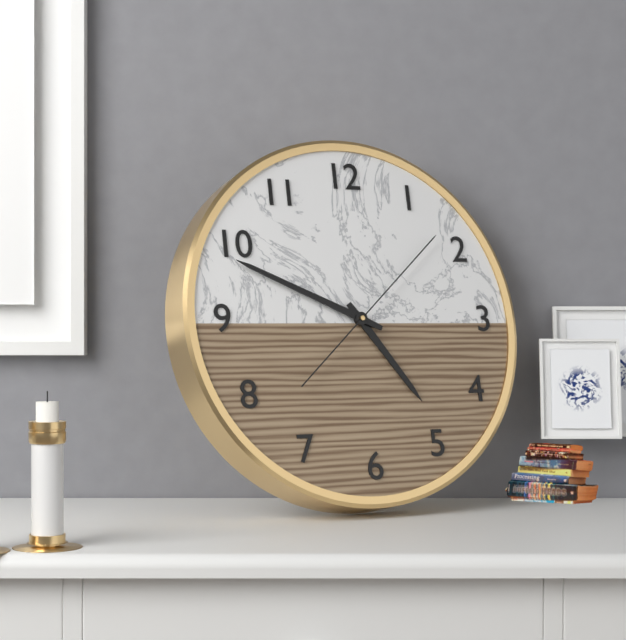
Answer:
4:49:08
